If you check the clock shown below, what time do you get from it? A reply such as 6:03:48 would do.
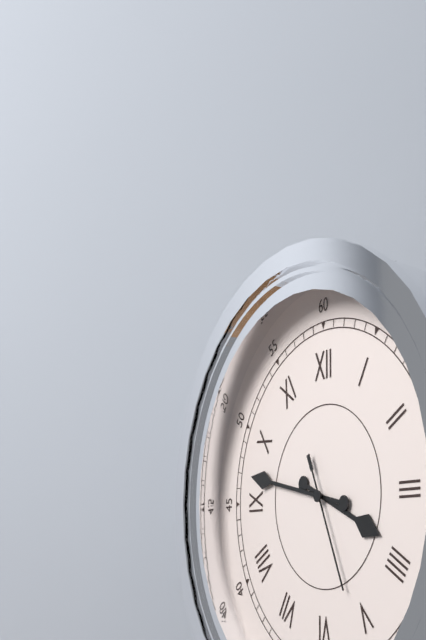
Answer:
3:47:26
